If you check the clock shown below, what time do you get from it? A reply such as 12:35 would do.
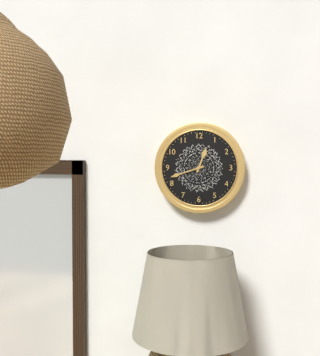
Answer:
12:42
